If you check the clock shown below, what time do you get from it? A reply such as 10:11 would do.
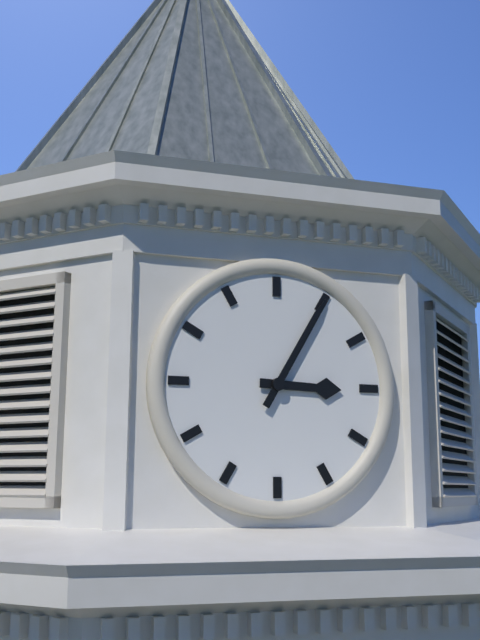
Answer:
3:05
